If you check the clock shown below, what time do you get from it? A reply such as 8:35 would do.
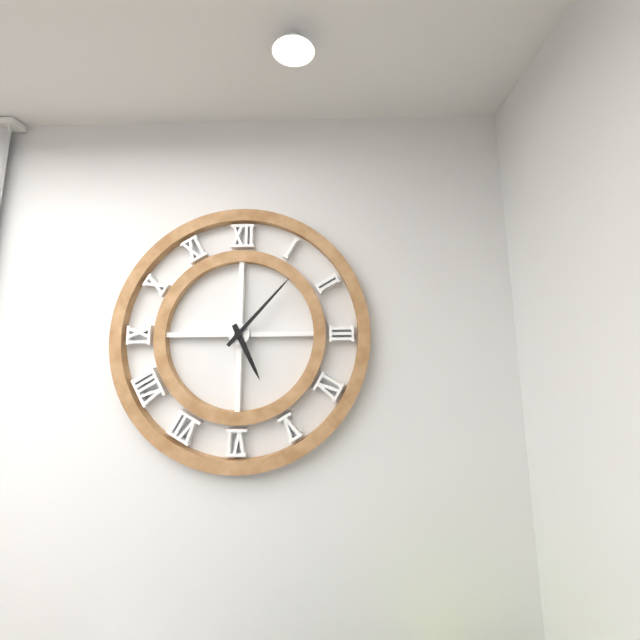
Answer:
5:07
